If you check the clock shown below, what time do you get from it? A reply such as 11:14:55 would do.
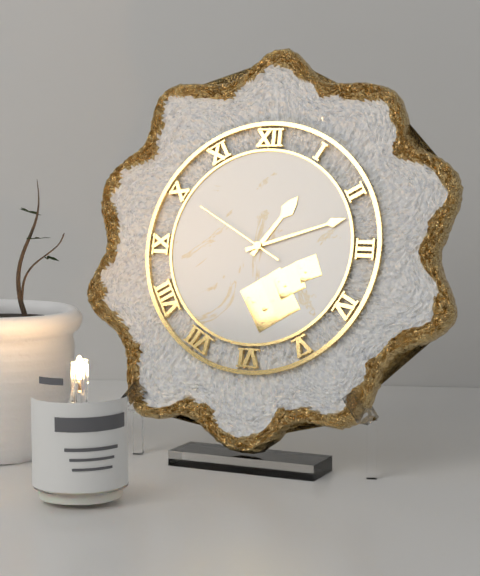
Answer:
1:12:50
